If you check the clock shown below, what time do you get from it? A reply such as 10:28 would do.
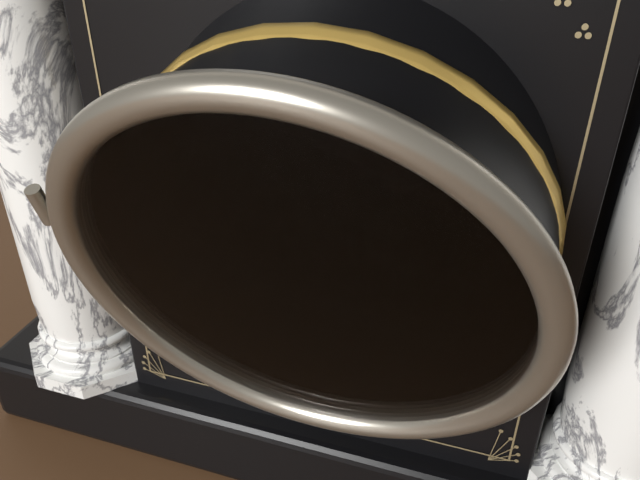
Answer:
10:01
